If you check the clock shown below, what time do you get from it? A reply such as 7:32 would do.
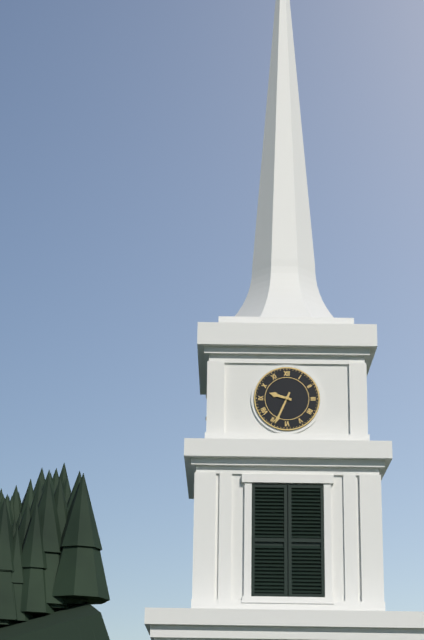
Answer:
9:34
